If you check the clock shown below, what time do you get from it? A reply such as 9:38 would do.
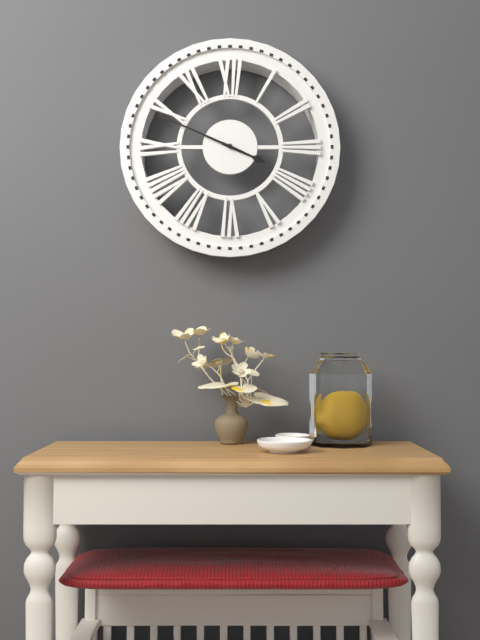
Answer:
3:49
